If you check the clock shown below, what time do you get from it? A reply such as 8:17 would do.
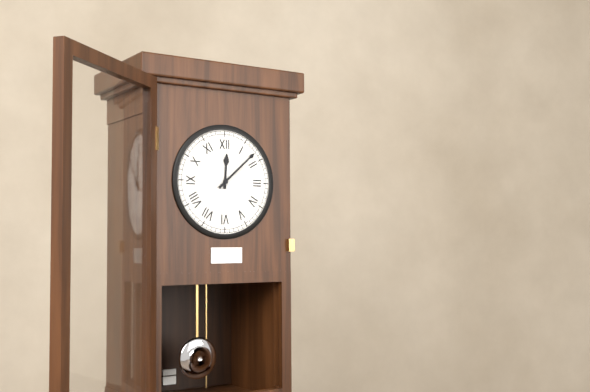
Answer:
12:08
